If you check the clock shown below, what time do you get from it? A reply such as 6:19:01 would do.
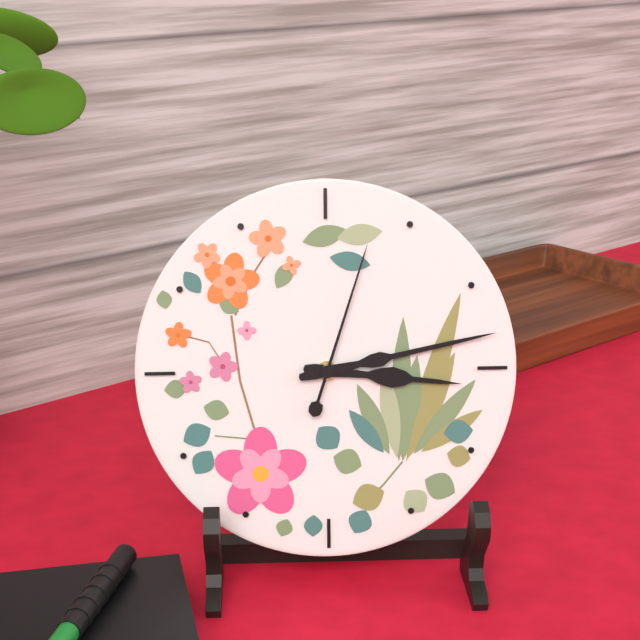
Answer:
3:13:03
